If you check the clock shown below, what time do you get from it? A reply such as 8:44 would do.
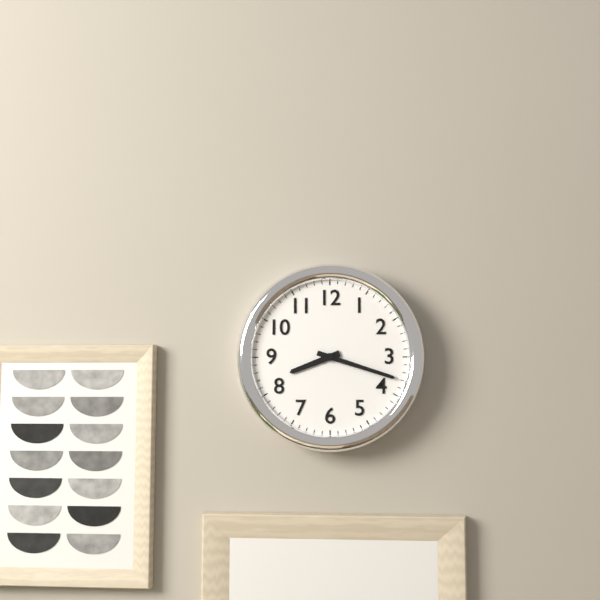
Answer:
8:18
